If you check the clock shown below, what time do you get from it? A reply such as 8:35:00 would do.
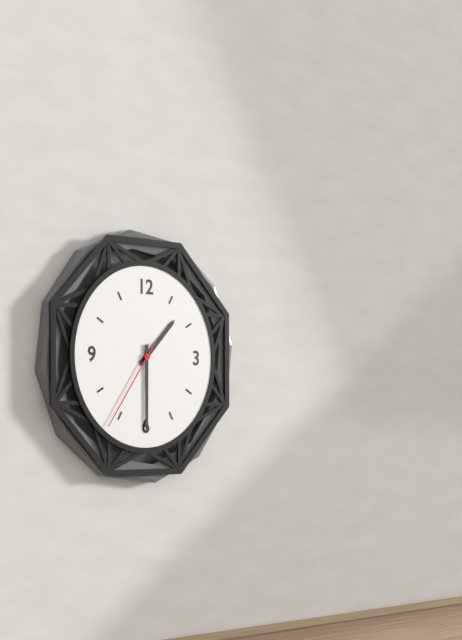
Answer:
1:30:36
